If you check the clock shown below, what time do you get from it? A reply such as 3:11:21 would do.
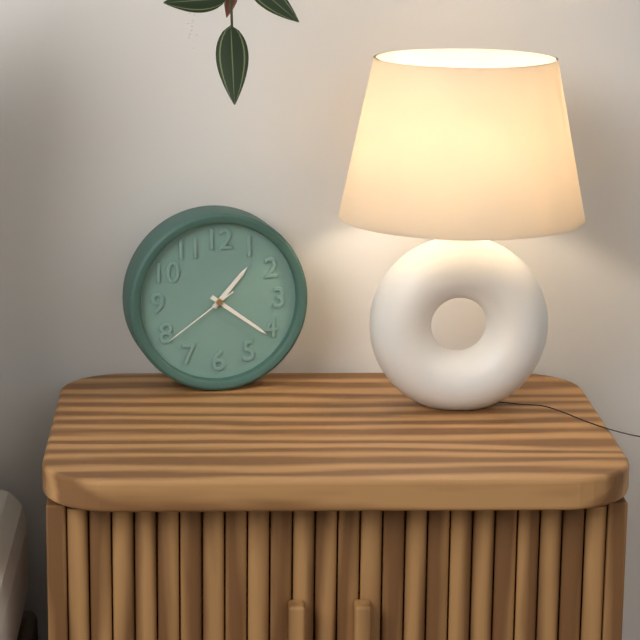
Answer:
1:21:39
